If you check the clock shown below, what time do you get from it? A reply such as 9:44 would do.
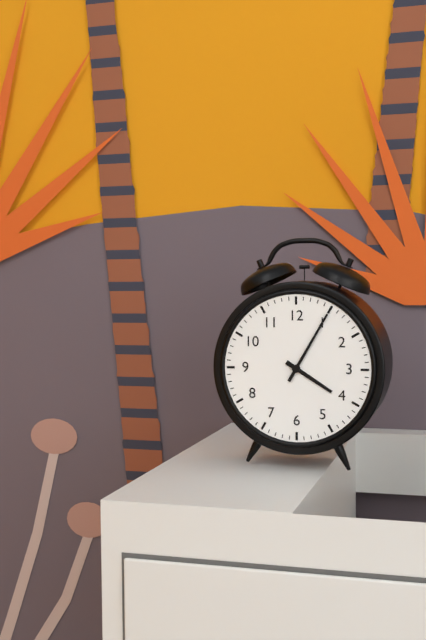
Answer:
4:05
